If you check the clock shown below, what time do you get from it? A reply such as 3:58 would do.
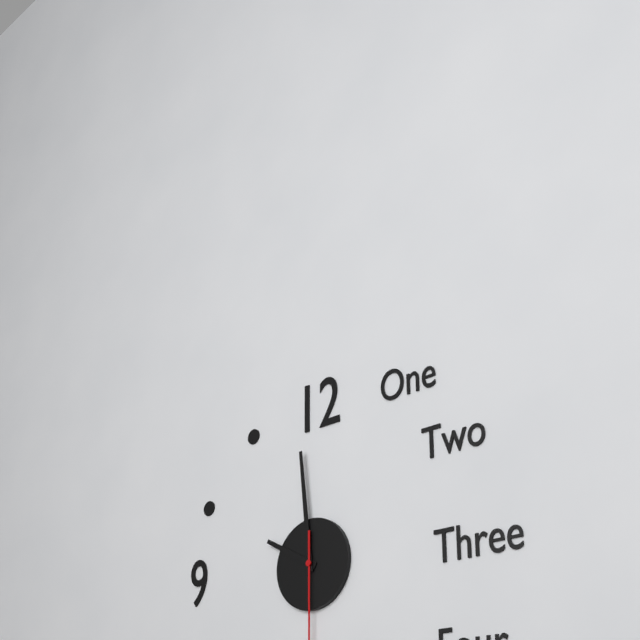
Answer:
9:59
